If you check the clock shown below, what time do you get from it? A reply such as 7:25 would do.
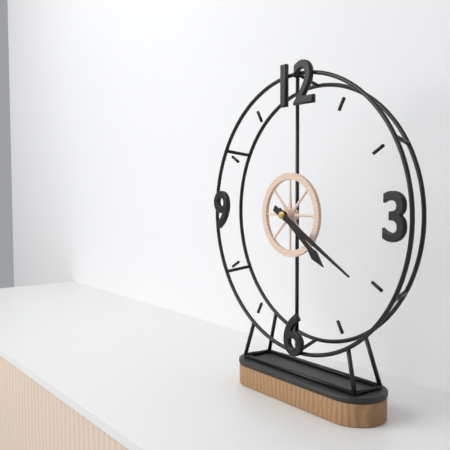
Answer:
4:20
